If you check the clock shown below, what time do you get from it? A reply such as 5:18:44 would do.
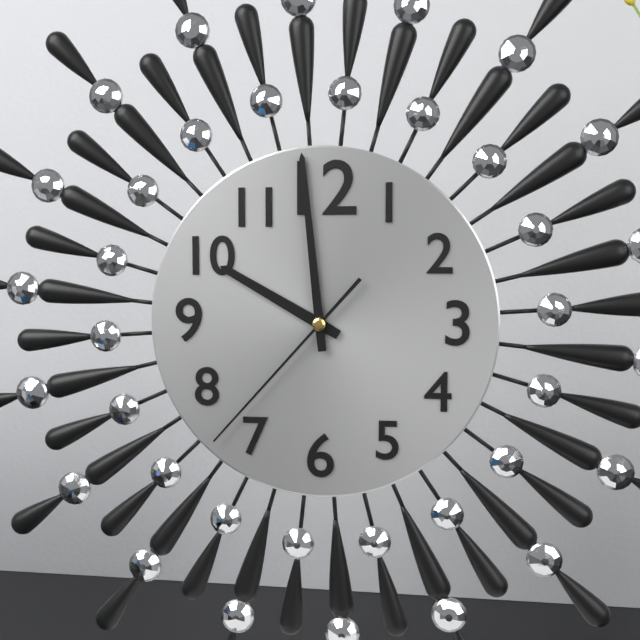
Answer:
9:59:37
